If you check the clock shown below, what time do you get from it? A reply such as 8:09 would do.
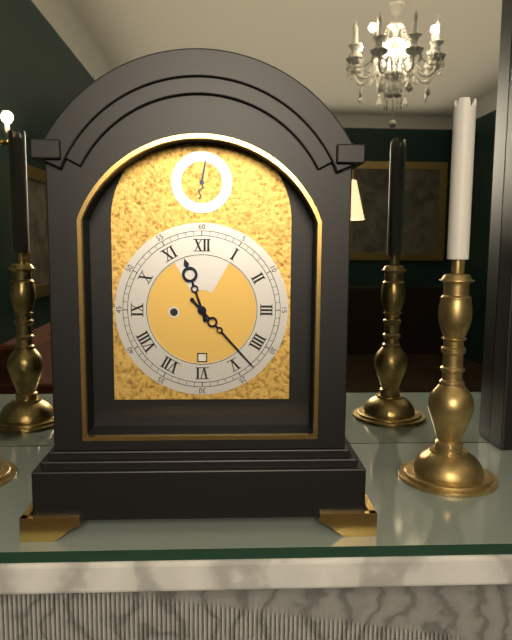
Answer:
11:23
